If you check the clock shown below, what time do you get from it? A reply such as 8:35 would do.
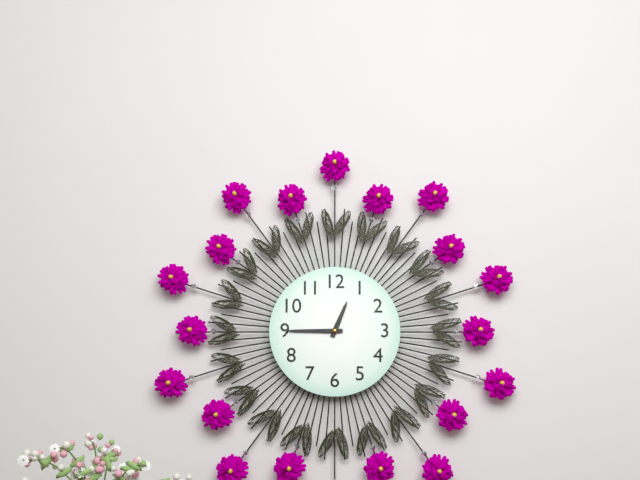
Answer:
12:45
